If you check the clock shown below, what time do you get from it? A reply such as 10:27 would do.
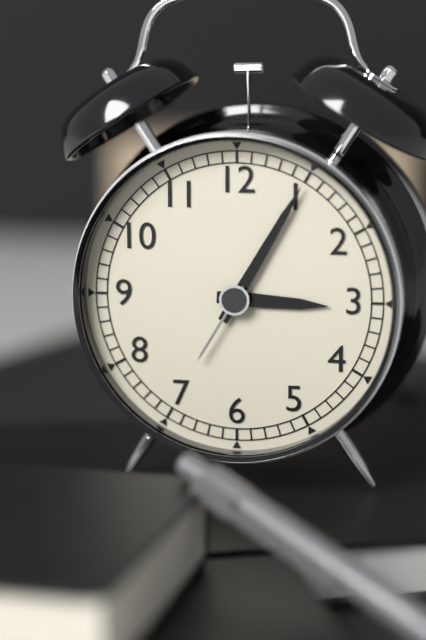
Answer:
3:05
